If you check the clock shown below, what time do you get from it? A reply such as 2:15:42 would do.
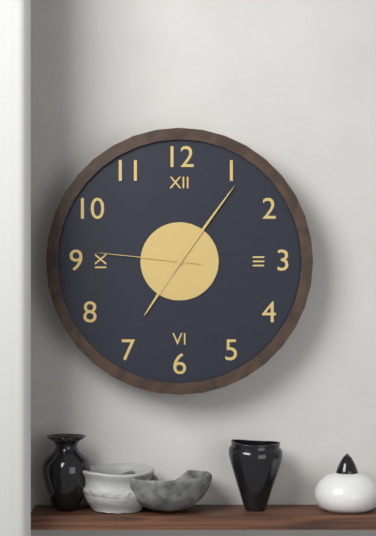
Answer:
7:06:46
